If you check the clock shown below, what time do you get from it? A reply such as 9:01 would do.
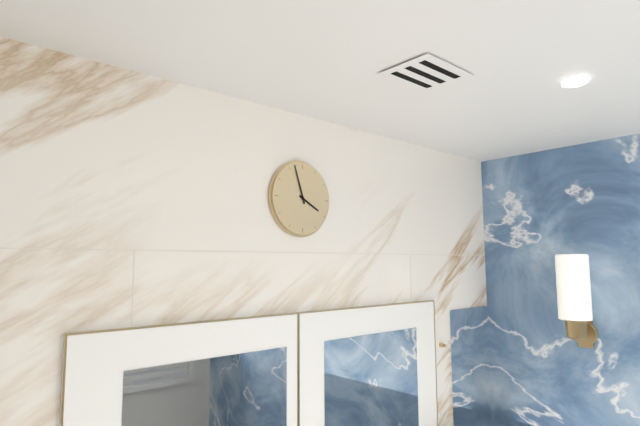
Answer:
3:57
